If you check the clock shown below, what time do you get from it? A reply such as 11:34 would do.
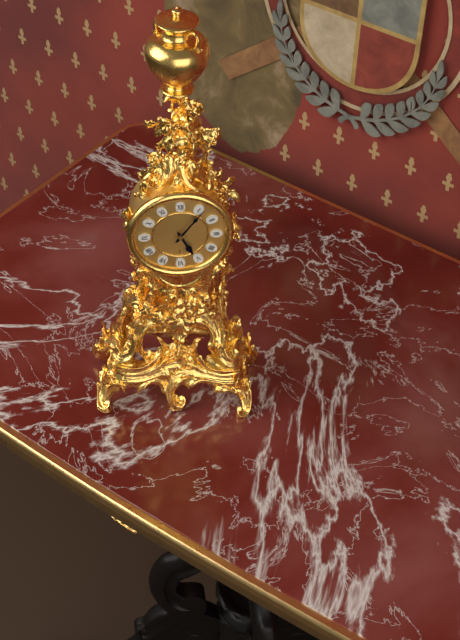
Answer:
5:06
